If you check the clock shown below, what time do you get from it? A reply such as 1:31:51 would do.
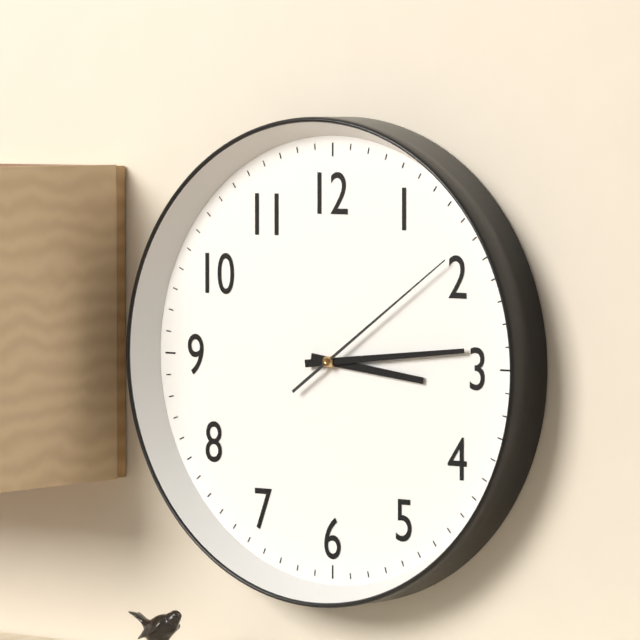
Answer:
3:14:09
